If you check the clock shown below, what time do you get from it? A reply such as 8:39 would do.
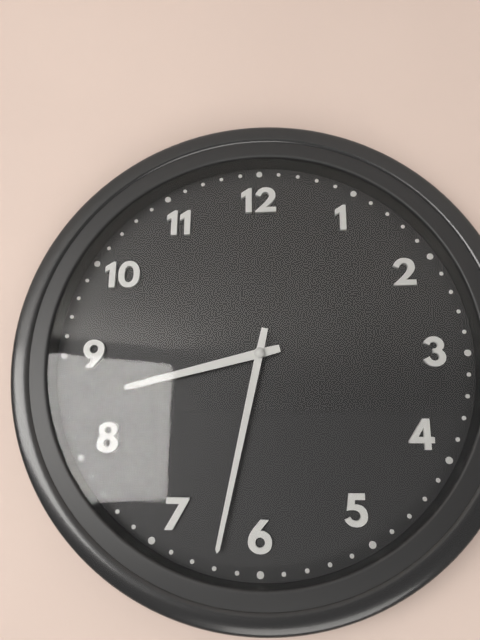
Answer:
8:32
